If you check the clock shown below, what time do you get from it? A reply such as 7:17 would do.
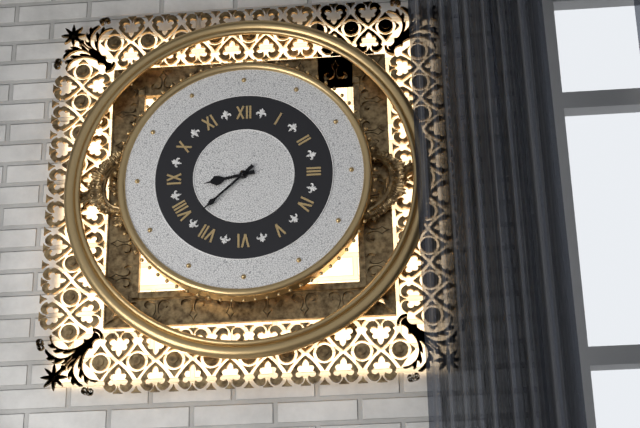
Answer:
8:38
